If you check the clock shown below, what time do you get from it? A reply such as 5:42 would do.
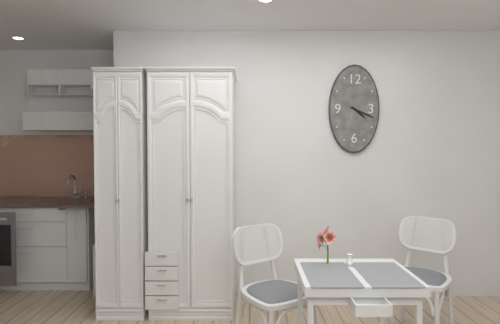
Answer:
4:19
